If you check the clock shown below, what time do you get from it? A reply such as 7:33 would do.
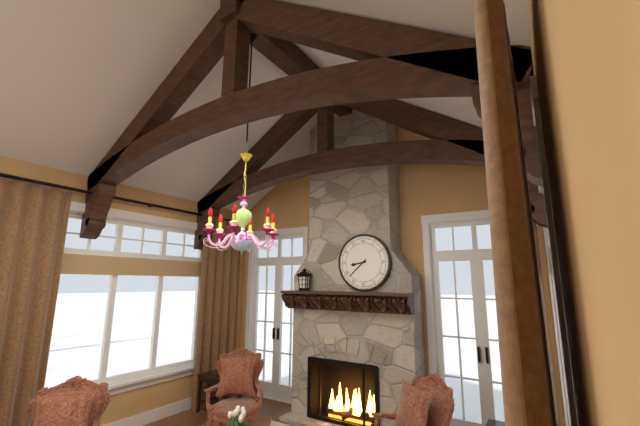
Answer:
8:38
